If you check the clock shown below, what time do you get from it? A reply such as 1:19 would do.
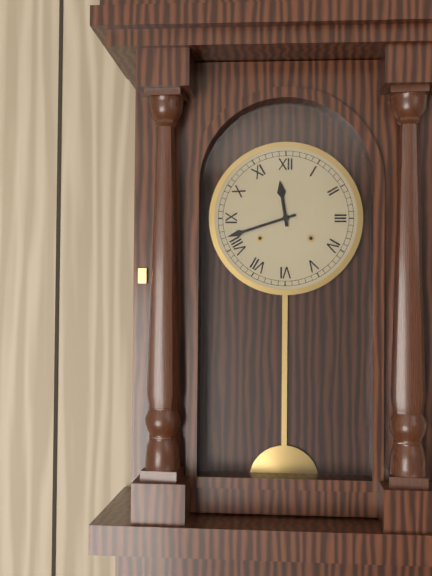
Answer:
11:42
